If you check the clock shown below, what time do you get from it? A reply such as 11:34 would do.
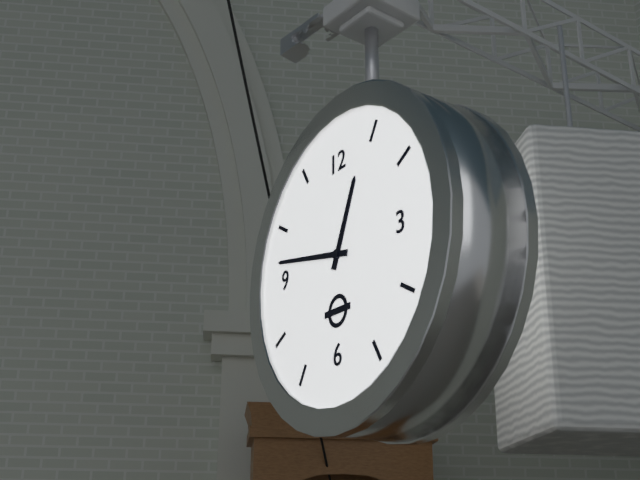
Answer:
12:47
